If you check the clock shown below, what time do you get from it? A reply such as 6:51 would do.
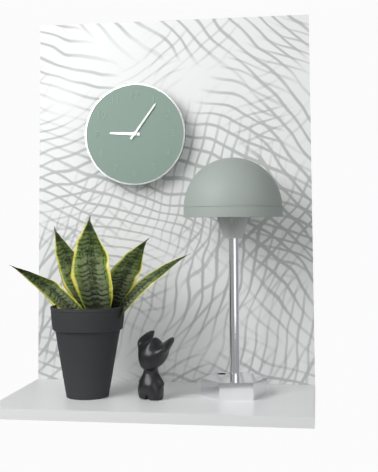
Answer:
9:06
